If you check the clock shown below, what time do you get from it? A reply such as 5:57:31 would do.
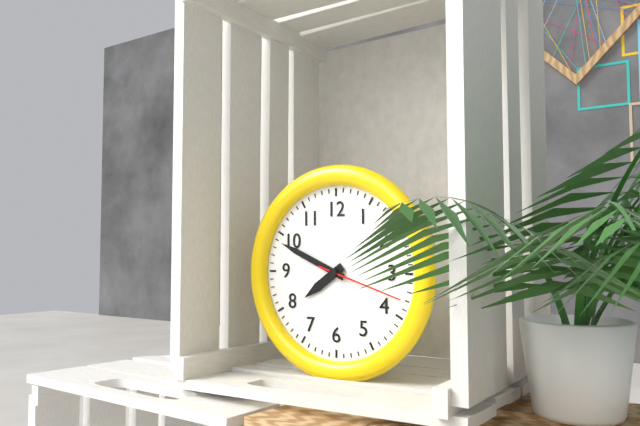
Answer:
7:49:18
